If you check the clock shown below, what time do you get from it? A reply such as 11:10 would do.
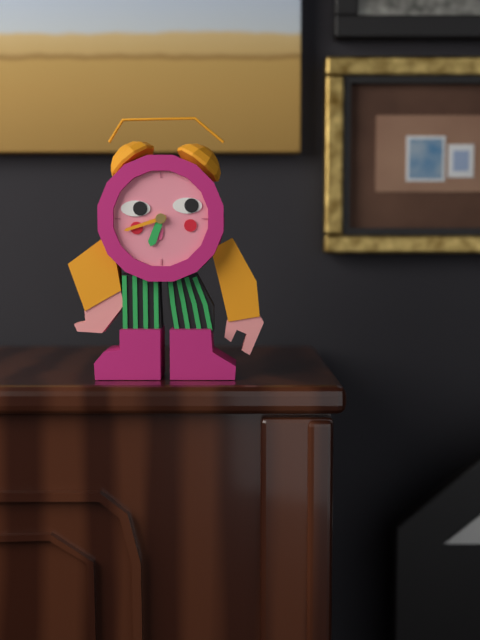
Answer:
6:42
